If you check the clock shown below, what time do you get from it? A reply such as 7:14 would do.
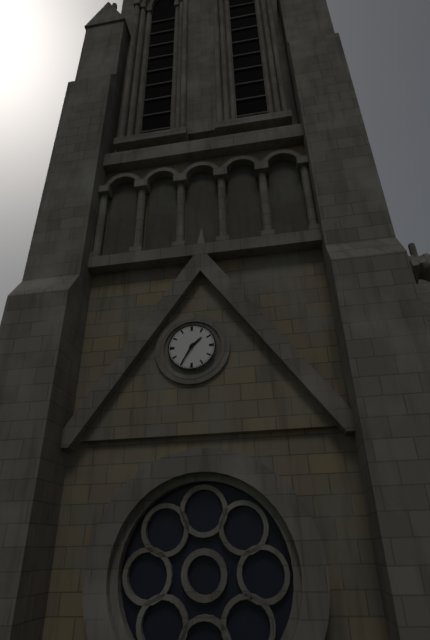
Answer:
1:35
